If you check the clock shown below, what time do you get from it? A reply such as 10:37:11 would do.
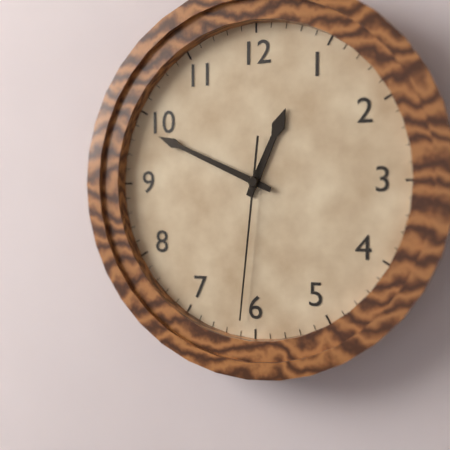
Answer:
12:49:31
